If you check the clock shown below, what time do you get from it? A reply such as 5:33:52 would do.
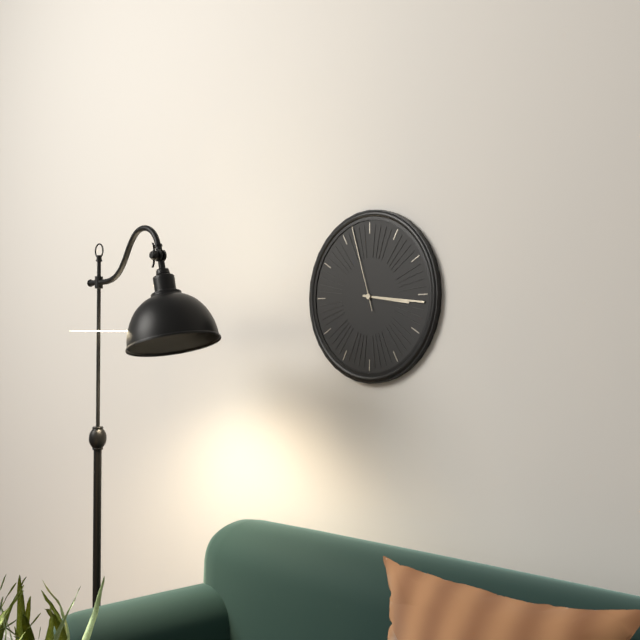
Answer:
3:16:57
